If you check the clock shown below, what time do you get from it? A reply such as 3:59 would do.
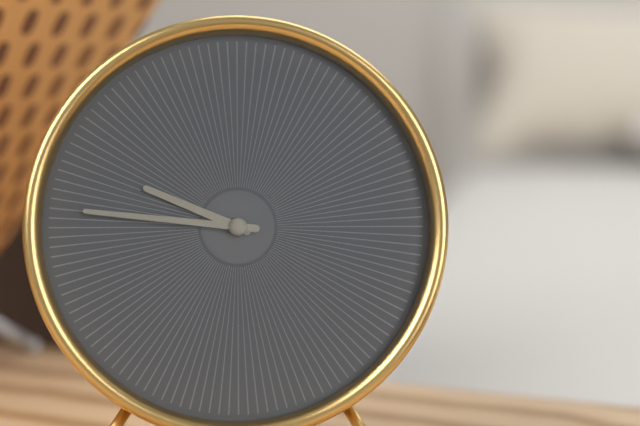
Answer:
9:46
